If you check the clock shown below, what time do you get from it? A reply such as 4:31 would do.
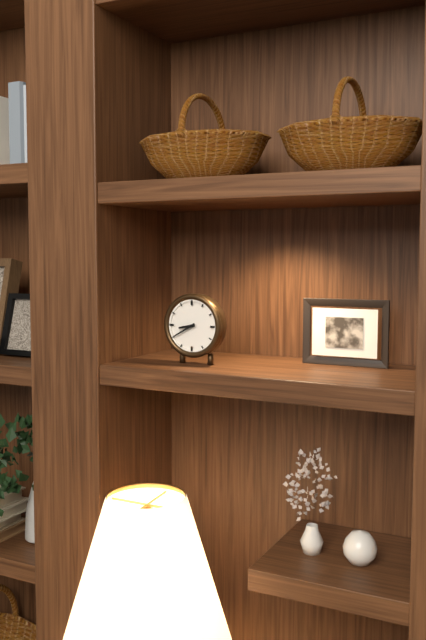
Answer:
8:40
